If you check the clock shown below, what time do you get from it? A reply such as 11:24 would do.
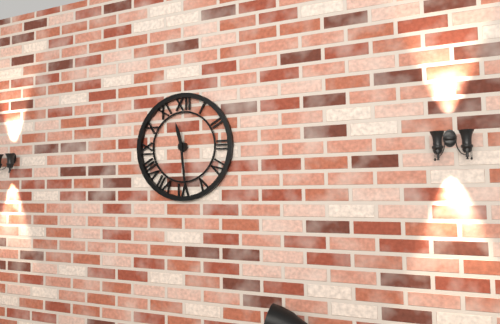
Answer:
11:29
